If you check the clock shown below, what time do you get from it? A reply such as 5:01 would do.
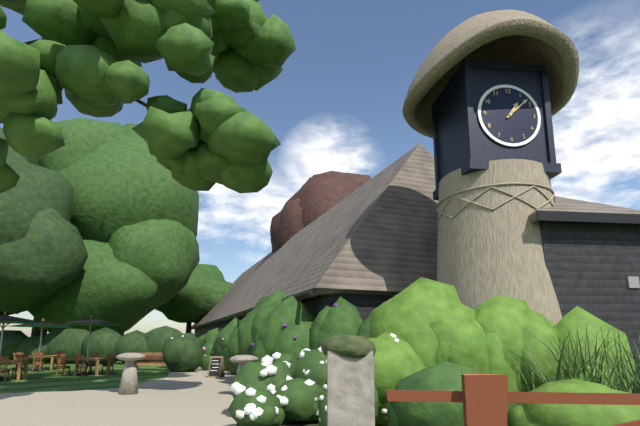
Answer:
1:08
